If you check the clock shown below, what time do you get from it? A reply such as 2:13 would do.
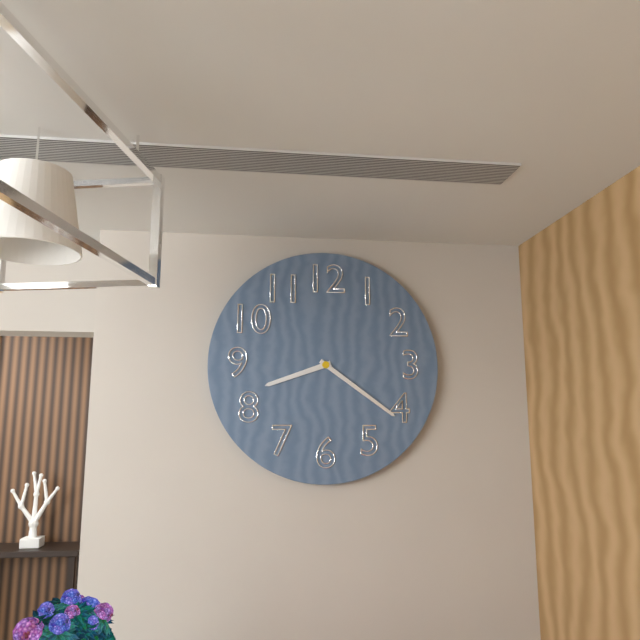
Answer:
8:21
